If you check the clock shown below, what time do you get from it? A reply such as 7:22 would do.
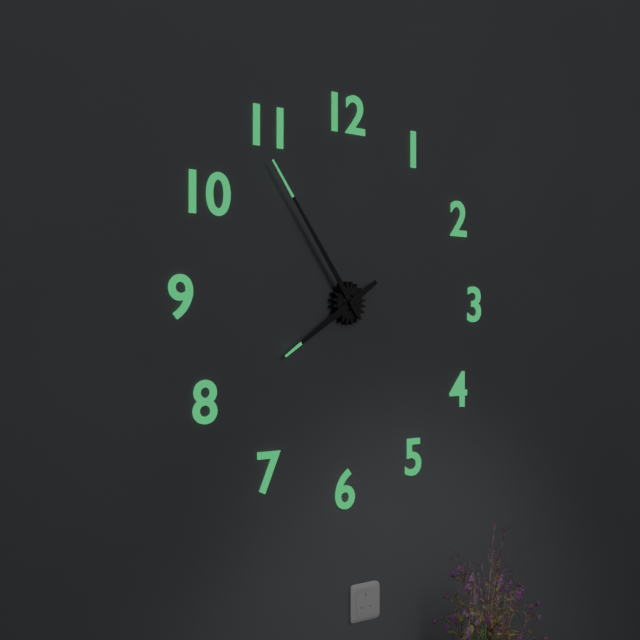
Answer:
7:54
